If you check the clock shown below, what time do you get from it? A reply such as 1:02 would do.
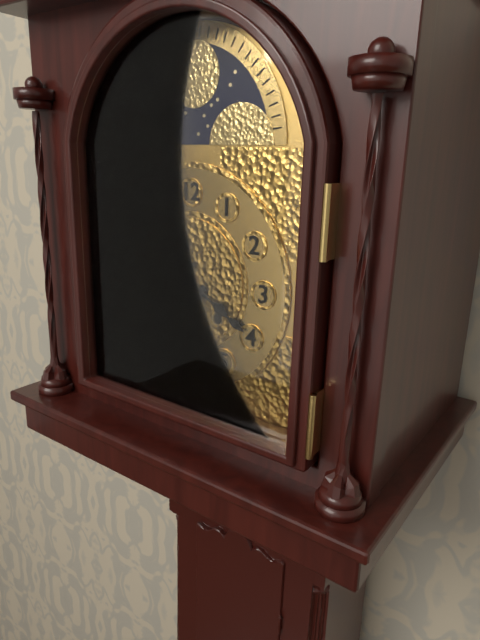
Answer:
3:58
